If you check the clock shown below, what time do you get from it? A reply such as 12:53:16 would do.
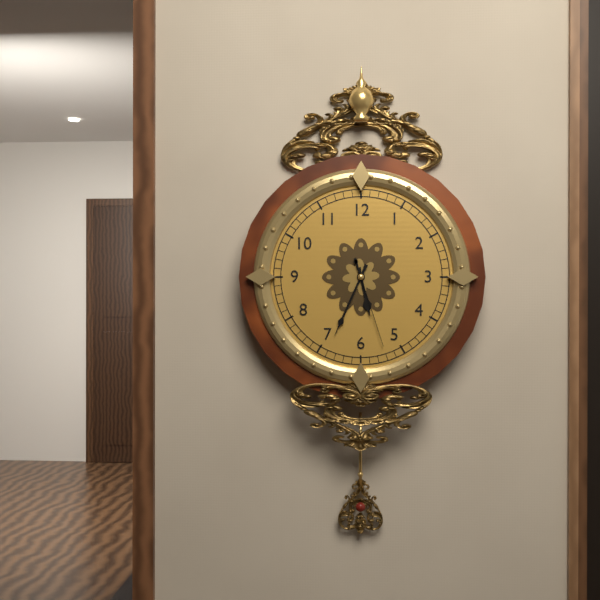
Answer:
5:34:27
